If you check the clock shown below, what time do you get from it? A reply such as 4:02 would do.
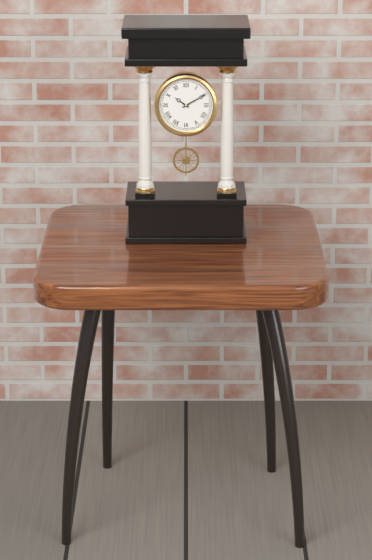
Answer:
10:10
